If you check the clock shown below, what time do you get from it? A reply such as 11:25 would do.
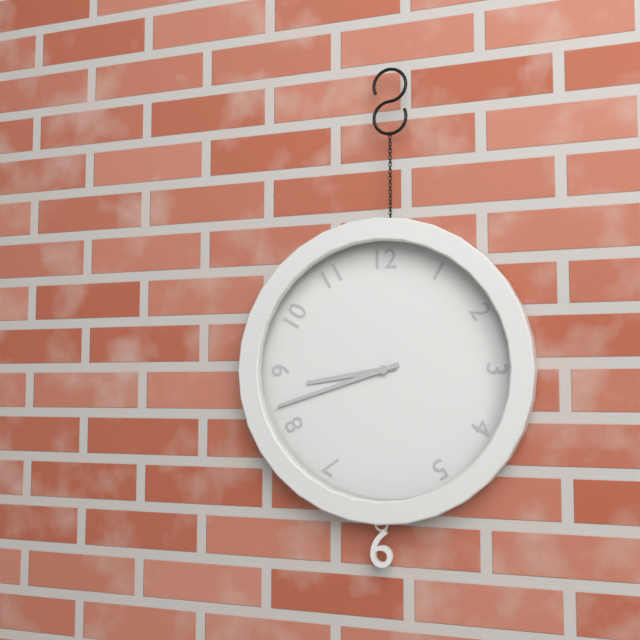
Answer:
8:42
